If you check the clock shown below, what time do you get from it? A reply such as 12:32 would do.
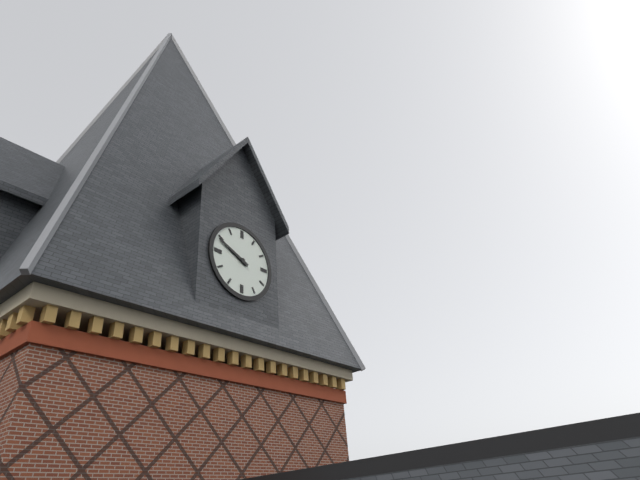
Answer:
9:49
